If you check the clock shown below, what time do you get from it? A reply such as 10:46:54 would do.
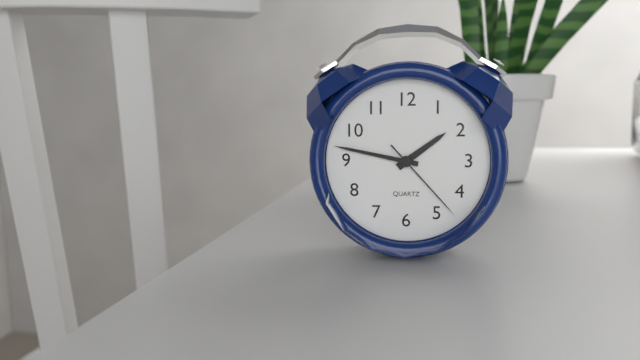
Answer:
1:47:23
